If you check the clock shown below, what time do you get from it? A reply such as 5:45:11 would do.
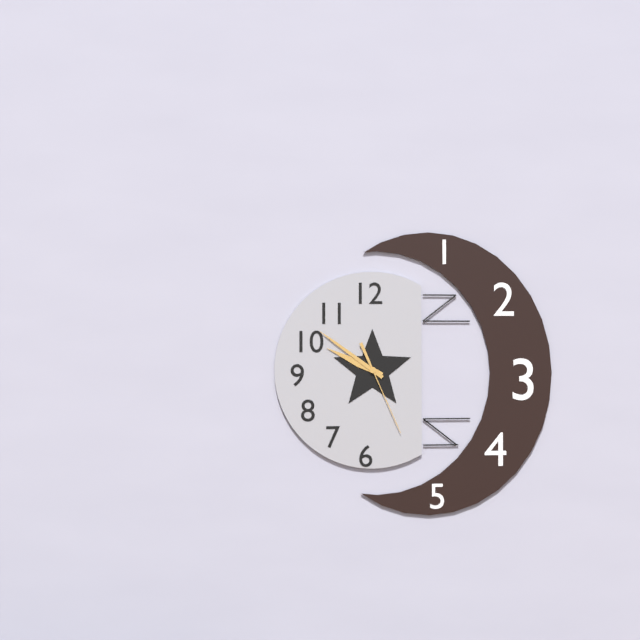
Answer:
9:51:26
